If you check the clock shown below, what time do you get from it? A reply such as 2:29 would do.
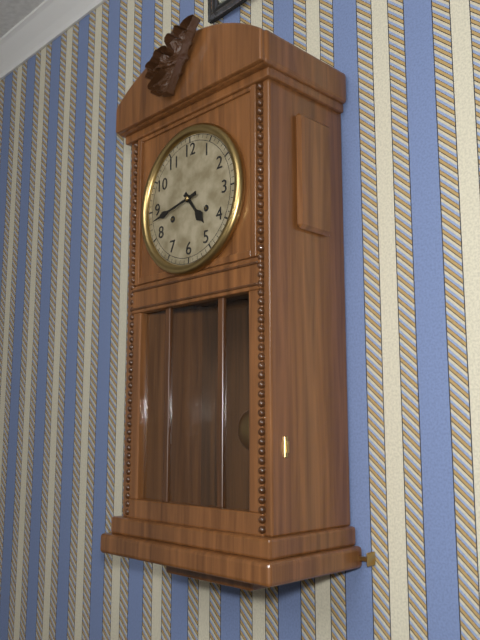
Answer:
4:43
